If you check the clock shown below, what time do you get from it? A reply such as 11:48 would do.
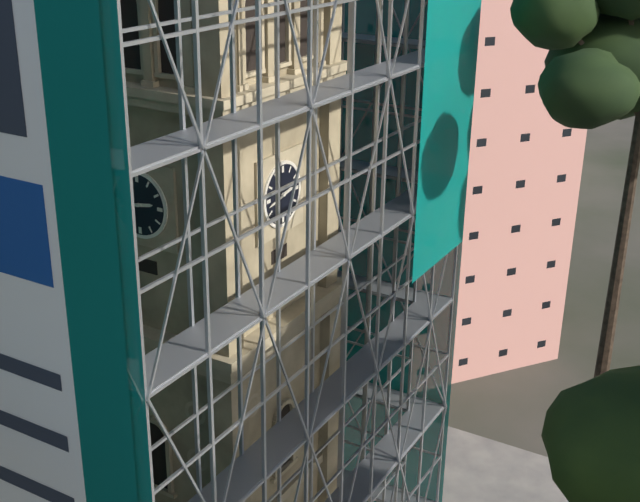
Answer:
2:43
